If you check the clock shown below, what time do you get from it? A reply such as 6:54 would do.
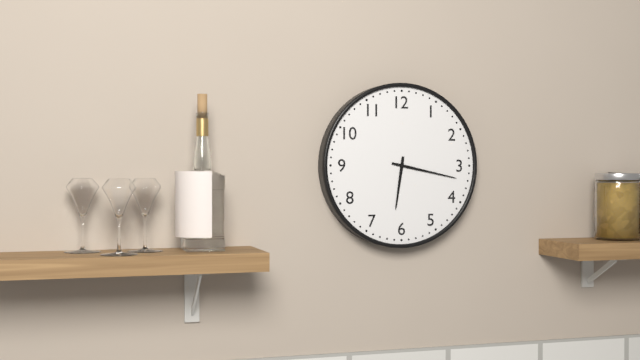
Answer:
6:17
